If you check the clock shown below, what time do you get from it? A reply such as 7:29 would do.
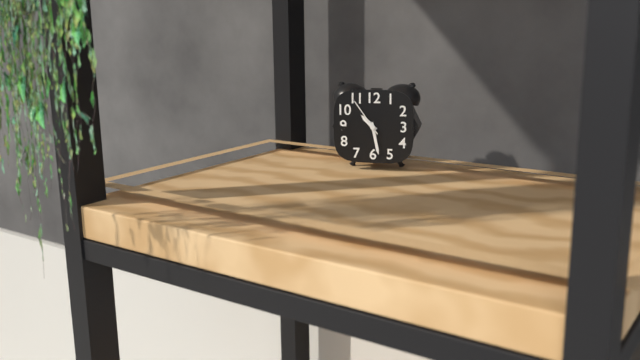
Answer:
10:28
